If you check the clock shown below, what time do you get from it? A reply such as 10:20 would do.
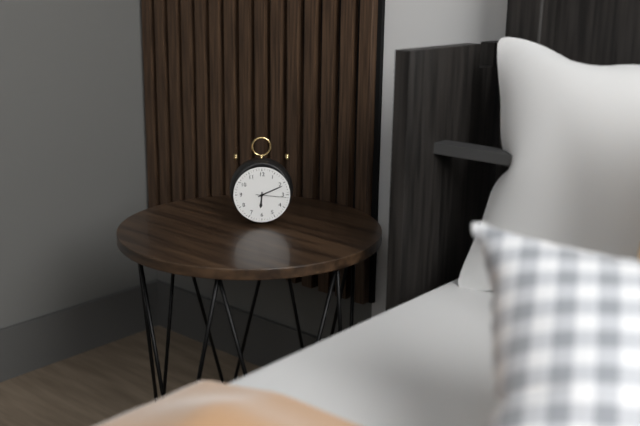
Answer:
6:11
